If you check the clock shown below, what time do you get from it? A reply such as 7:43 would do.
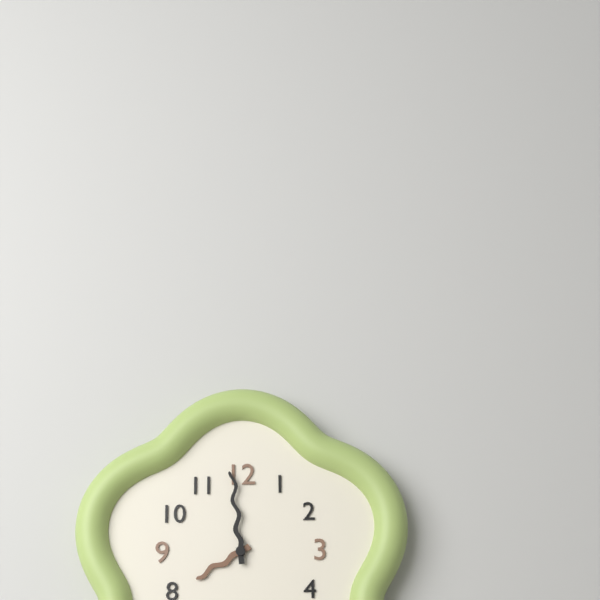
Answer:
7:59
